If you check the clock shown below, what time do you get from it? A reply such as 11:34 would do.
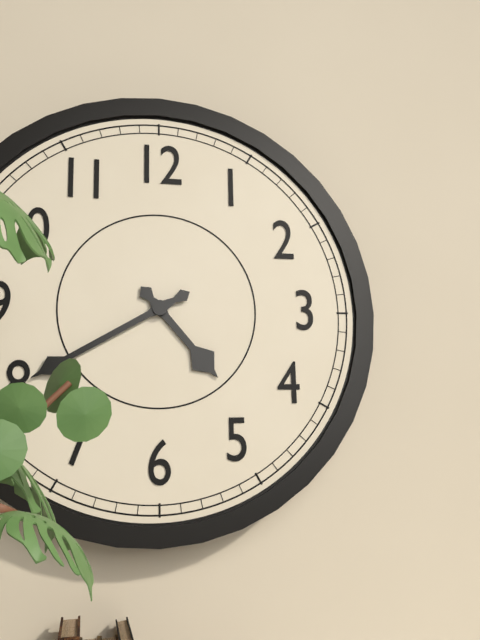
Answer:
4:40
